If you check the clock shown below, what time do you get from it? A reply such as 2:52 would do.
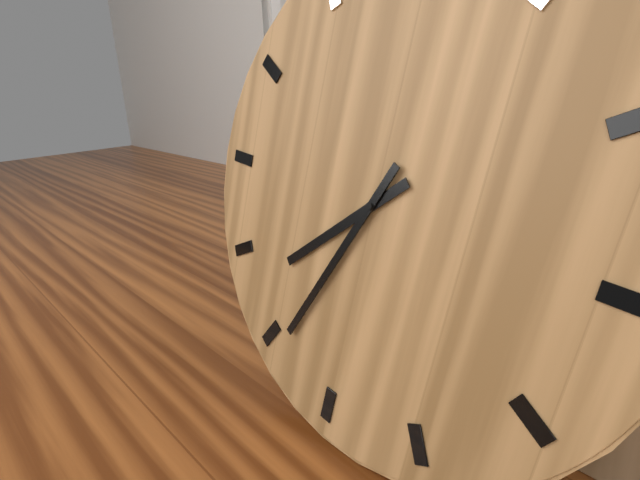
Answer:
7:34
